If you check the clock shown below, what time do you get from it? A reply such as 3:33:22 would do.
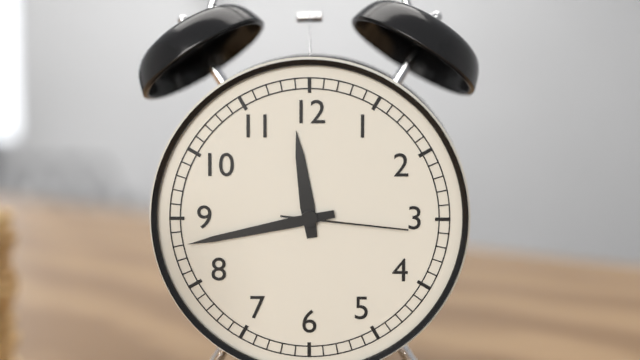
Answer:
11:43:16
